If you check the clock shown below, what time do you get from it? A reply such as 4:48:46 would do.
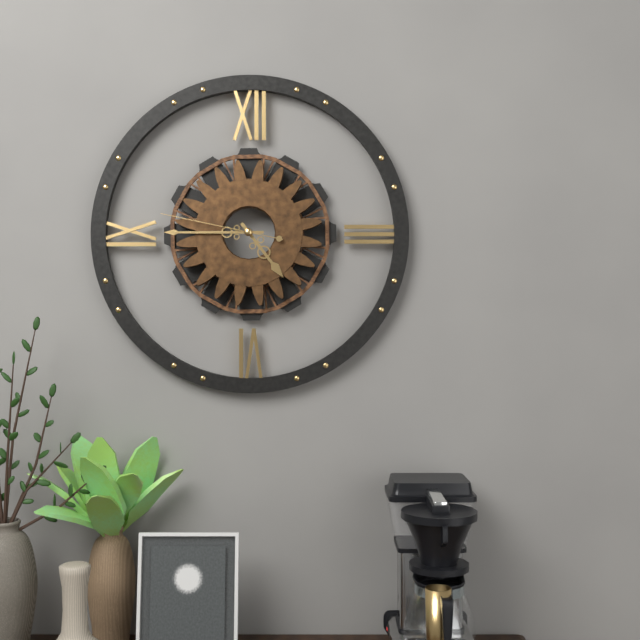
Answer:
4:45:47
